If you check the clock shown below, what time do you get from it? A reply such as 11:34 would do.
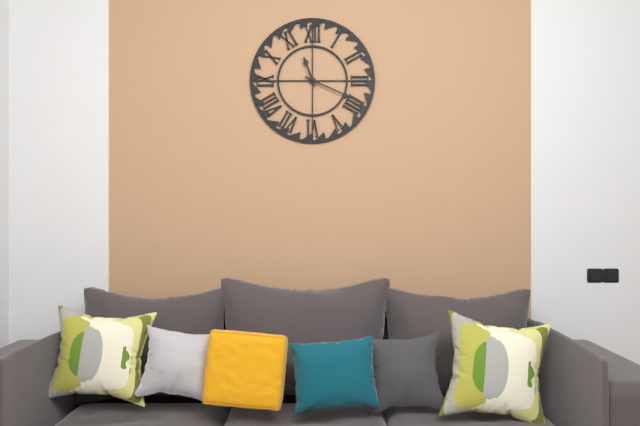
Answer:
11:19
